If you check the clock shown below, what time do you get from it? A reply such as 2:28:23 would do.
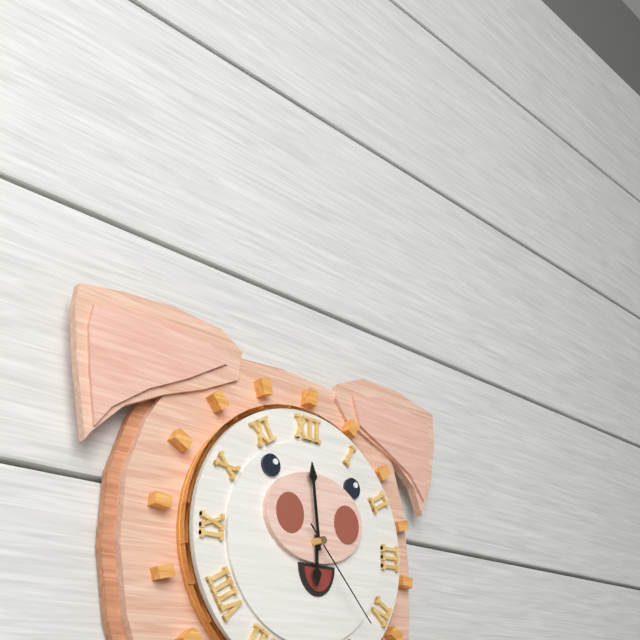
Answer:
5:59:23
